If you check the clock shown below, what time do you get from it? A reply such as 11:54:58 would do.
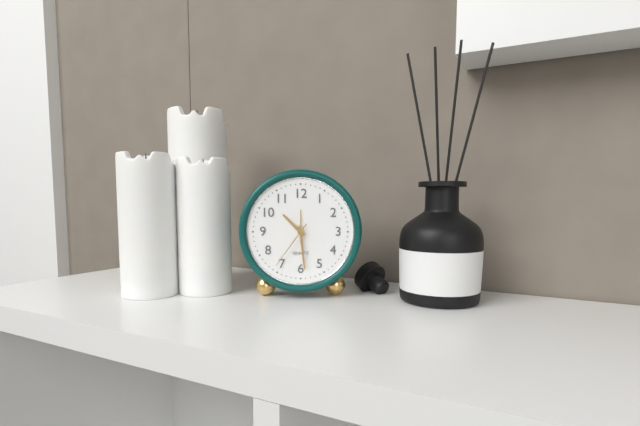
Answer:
10:29:36
